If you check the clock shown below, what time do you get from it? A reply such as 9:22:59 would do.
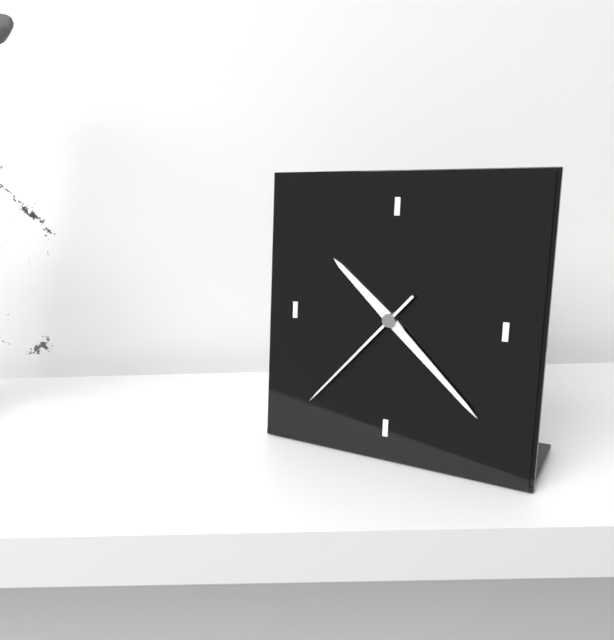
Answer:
10:22:37
